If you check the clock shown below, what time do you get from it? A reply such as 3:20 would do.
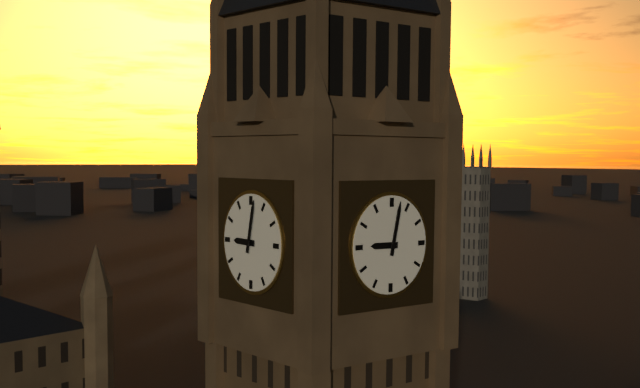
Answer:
9:02
